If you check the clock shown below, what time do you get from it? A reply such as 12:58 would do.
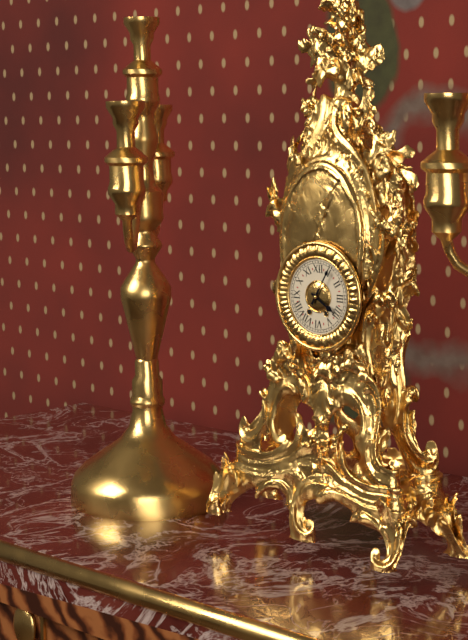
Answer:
4:05
